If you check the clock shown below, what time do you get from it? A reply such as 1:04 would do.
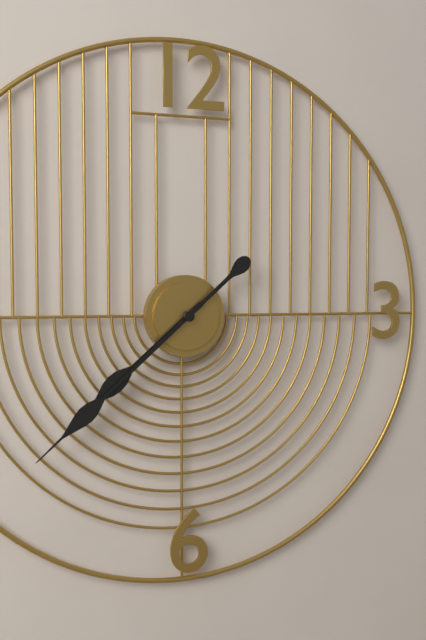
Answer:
7:38
